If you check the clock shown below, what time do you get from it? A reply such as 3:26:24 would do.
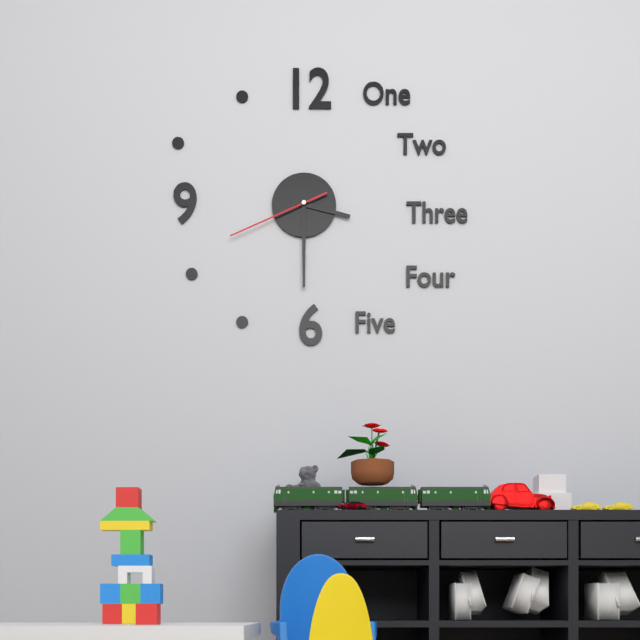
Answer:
3:30:41
